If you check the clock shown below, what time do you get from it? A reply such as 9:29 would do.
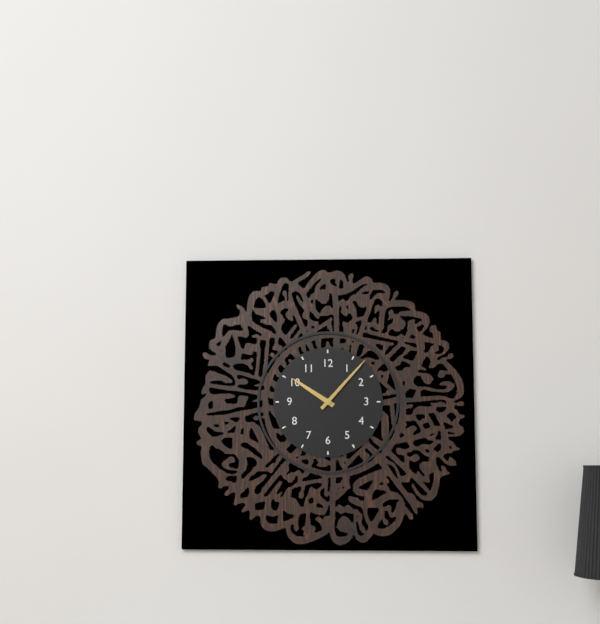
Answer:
10:07
